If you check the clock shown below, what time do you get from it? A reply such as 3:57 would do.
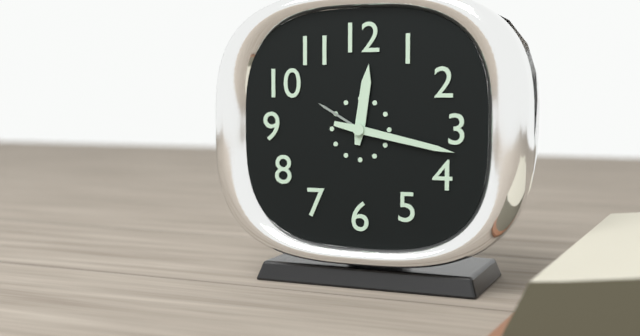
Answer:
12:17
